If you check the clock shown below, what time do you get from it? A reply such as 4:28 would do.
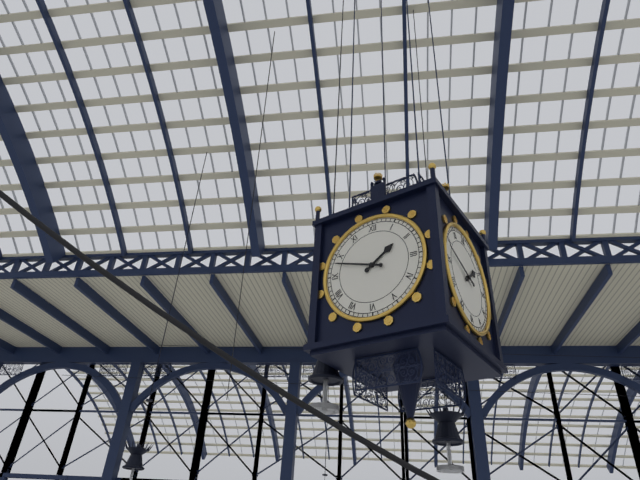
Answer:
1:48
